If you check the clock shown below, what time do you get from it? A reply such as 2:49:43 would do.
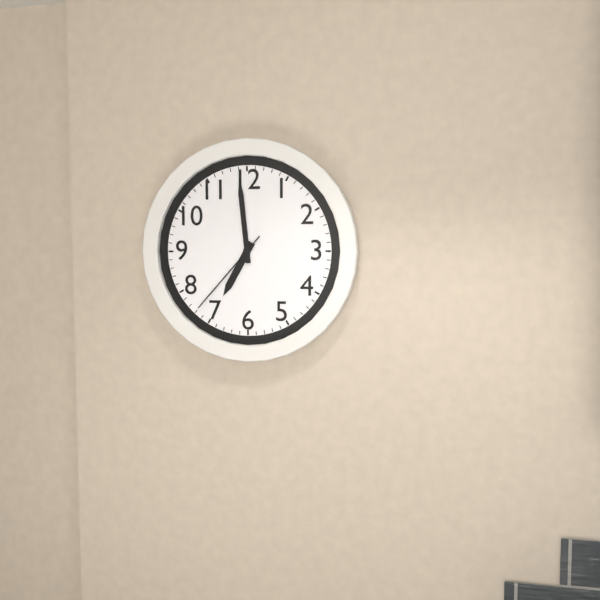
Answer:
6:59:37
